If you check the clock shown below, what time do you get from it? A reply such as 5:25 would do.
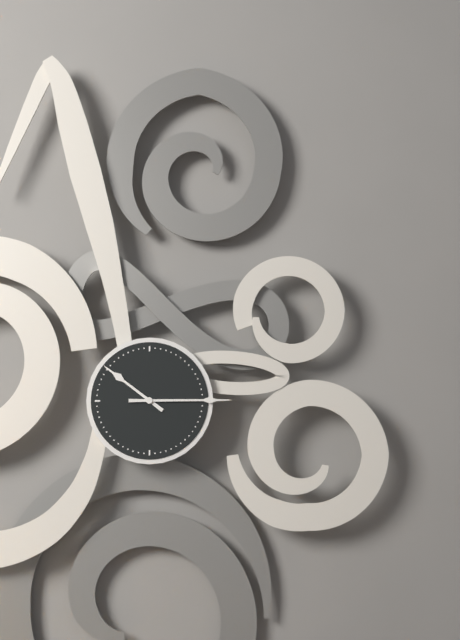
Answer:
10:15
